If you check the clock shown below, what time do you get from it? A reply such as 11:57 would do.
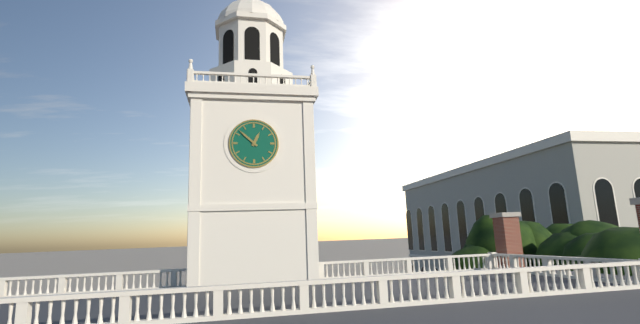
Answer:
12:52
